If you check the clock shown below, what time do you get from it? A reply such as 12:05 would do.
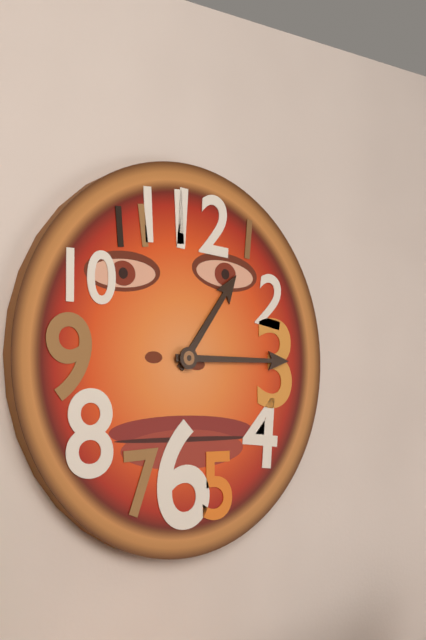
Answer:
1:15
